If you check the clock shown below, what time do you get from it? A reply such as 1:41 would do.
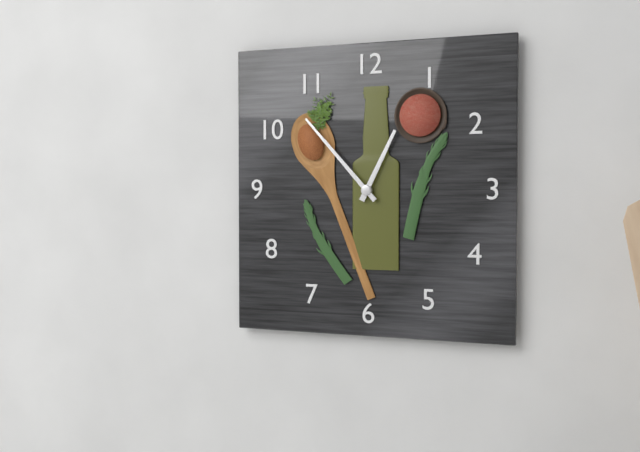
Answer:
12:53
